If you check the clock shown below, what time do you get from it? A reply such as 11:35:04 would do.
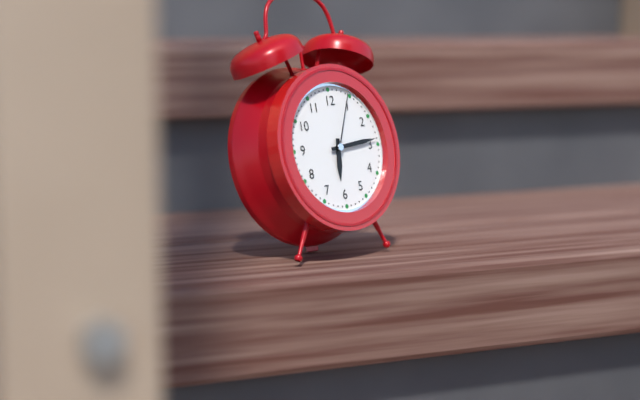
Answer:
6:14:04
